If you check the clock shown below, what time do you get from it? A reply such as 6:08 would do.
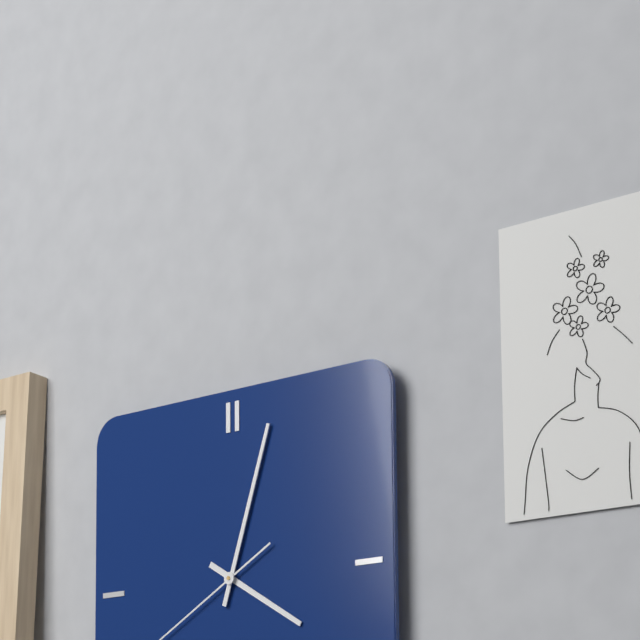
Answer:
4:03
